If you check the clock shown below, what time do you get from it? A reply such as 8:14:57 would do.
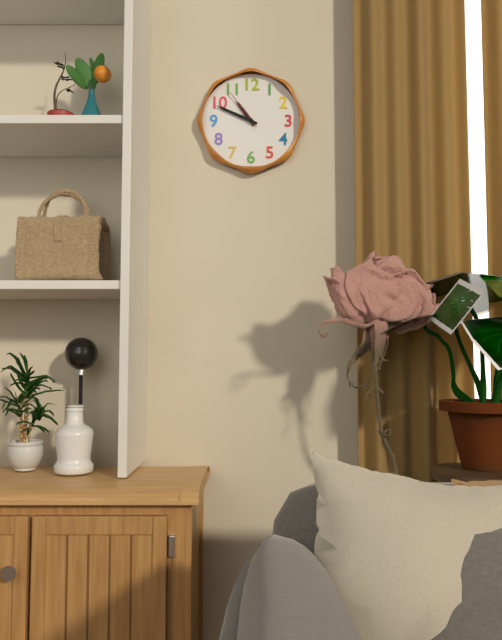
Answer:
10:49:54
